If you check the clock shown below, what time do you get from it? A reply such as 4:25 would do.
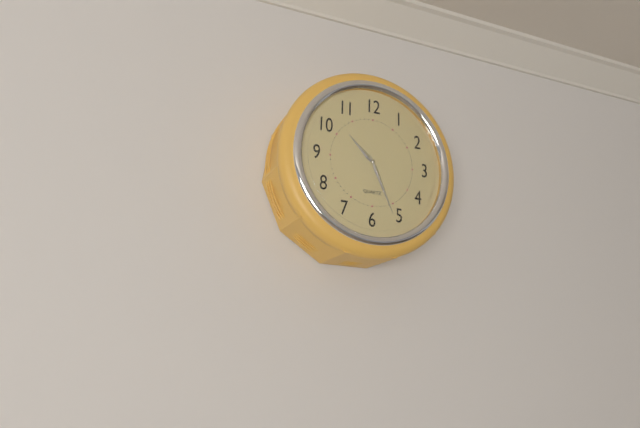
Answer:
10:26
